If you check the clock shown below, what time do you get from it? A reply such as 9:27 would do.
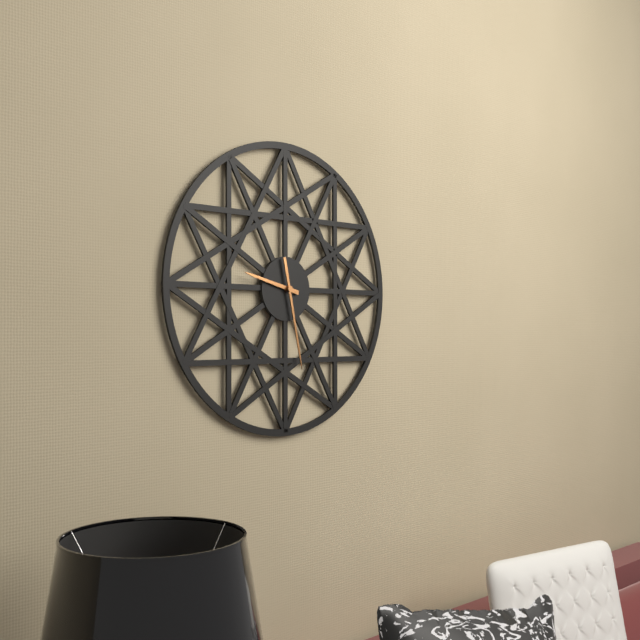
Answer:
9:28
